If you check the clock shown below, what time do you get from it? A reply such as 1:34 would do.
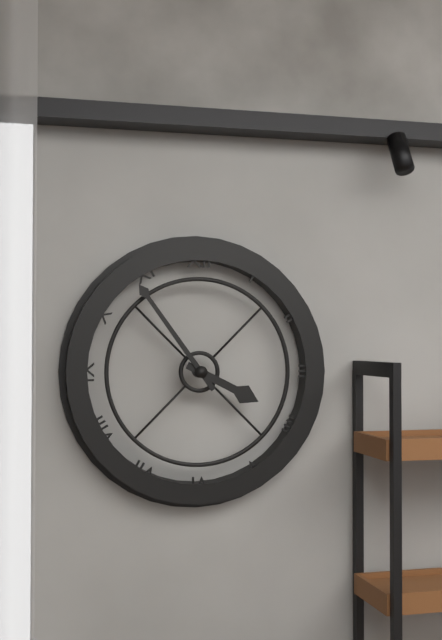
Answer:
3:54
